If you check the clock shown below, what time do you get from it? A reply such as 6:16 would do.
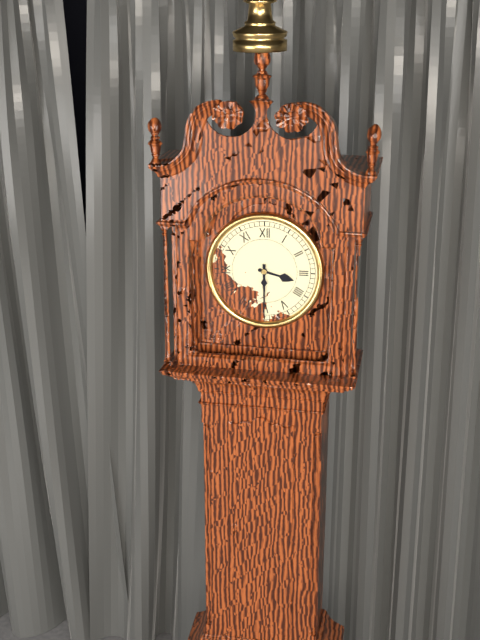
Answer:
3:30
